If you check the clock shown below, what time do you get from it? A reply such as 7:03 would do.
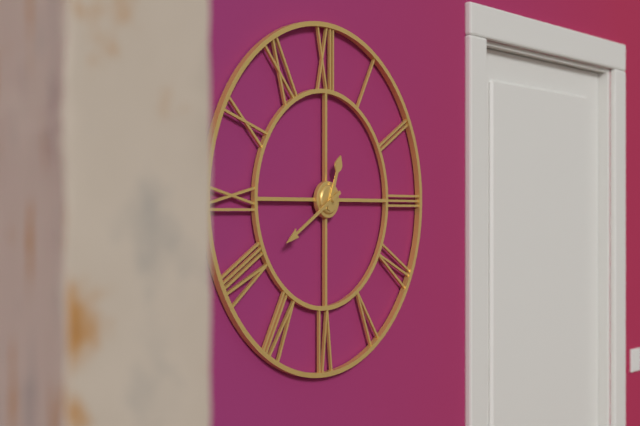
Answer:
12:40
